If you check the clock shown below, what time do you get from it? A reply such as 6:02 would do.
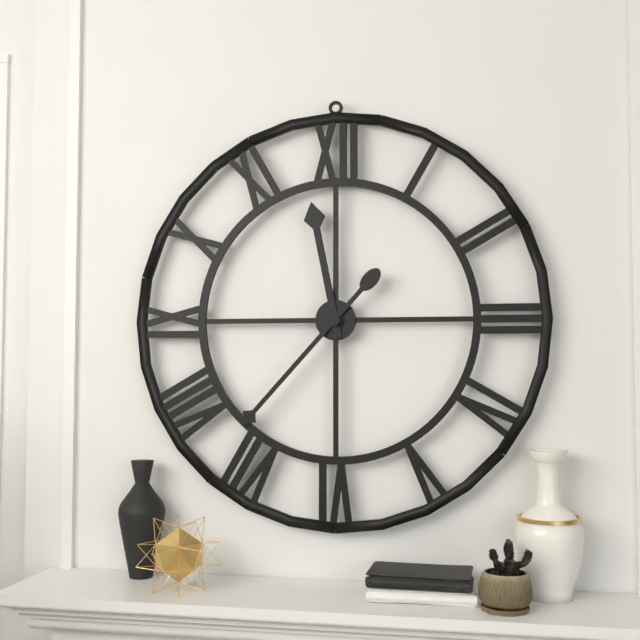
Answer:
11:37
